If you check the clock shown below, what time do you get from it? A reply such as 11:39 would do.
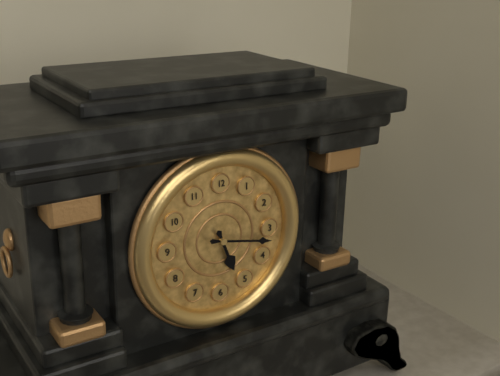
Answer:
5:17
